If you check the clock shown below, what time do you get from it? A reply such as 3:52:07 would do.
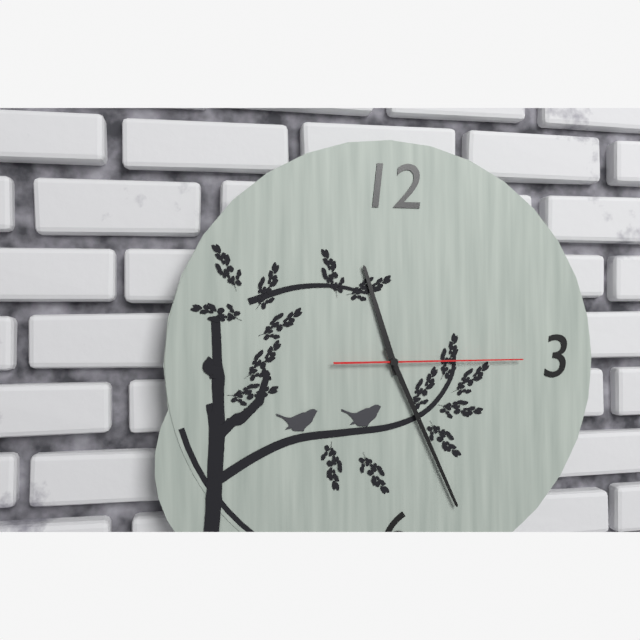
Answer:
11:26:15
